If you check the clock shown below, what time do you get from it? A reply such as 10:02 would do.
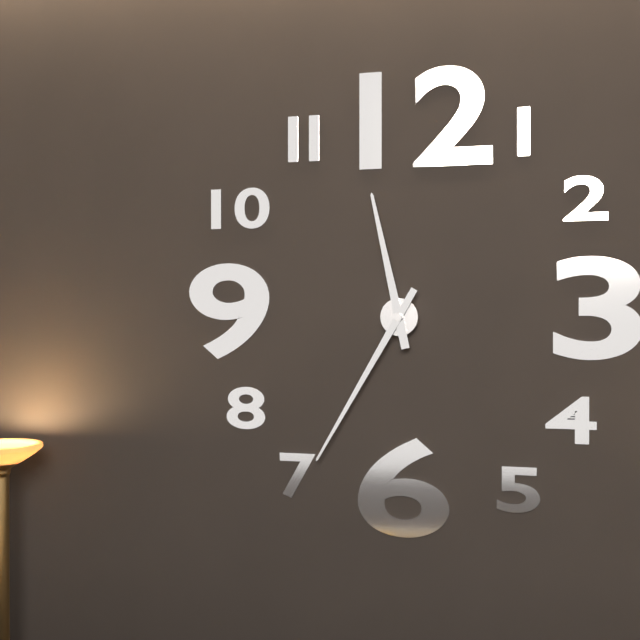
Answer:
11:35
